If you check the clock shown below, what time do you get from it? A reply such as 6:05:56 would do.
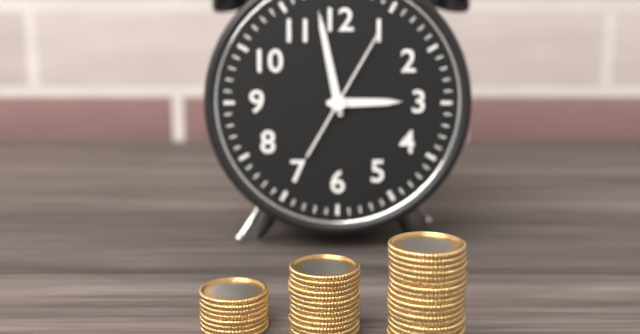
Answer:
2:58:05
